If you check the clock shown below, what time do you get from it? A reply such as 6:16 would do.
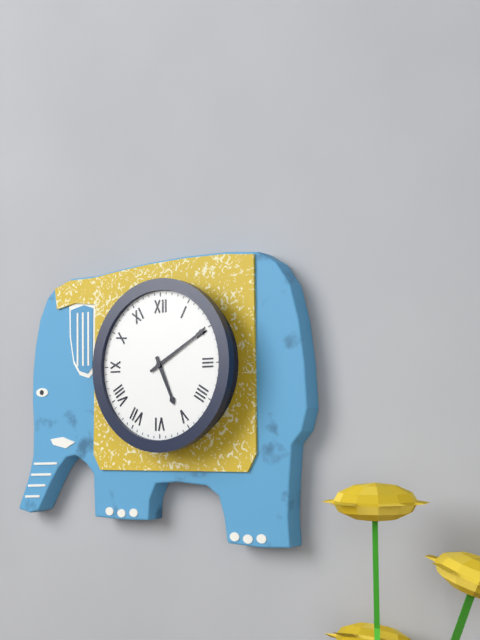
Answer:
5:10
